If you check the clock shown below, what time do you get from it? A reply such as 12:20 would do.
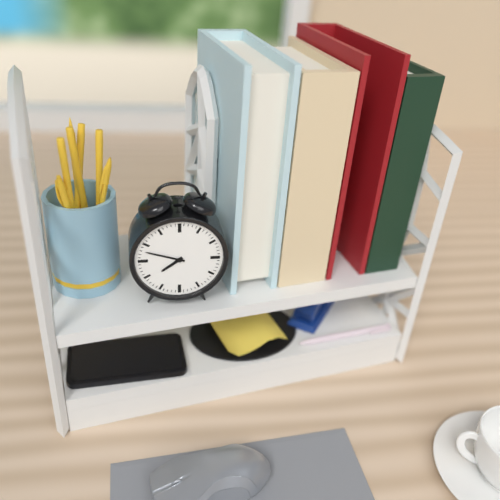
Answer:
7:48
